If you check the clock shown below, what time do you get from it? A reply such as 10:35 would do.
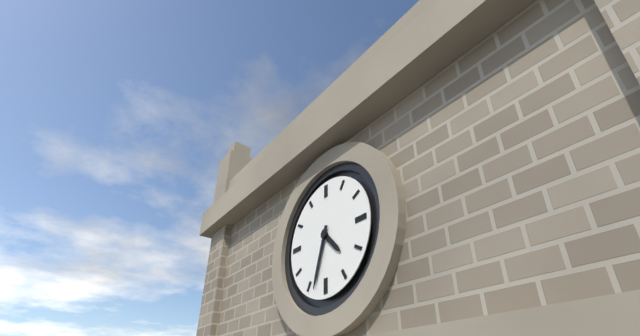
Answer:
4:33
